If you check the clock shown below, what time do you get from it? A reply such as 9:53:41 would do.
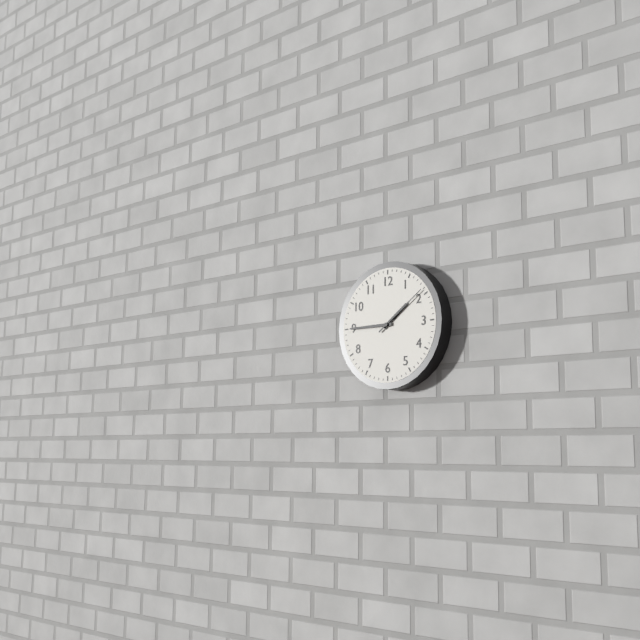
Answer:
1:45:09
